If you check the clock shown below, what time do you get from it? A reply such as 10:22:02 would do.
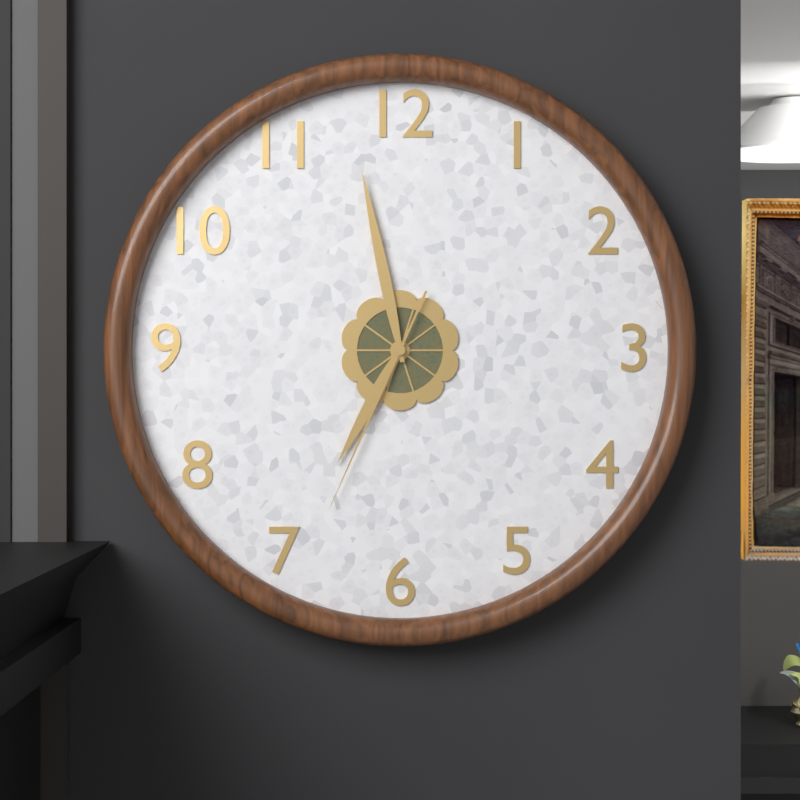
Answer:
6:58:34
